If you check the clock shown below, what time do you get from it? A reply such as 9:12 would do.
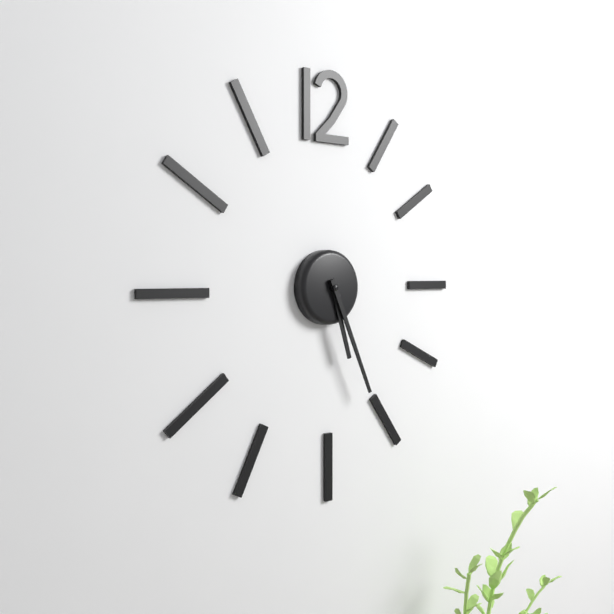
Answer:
5:26
